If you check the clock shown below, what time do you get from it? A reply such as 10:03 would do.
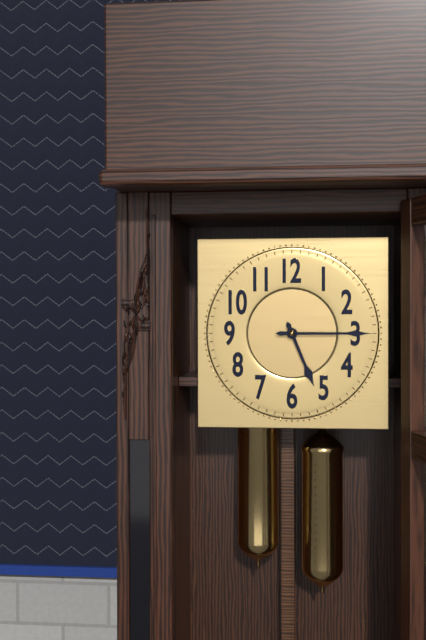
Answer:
5:15
